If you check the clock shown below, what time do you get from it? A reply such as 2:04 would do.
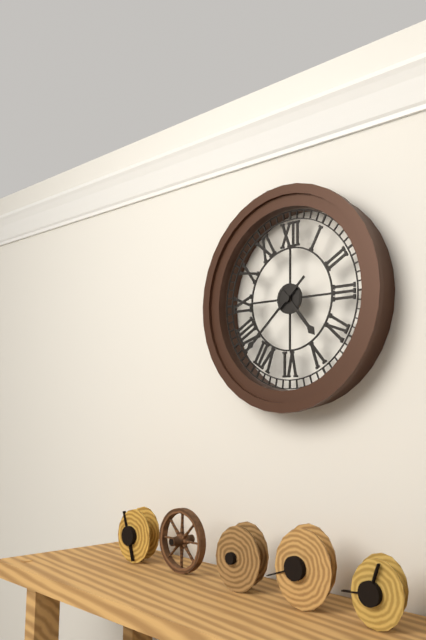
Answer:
4:38
